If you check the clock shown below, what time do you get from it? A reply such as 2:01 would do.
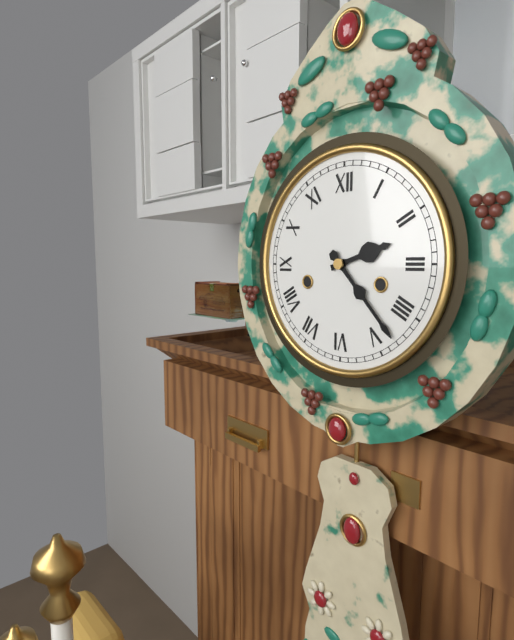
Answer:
2:23
